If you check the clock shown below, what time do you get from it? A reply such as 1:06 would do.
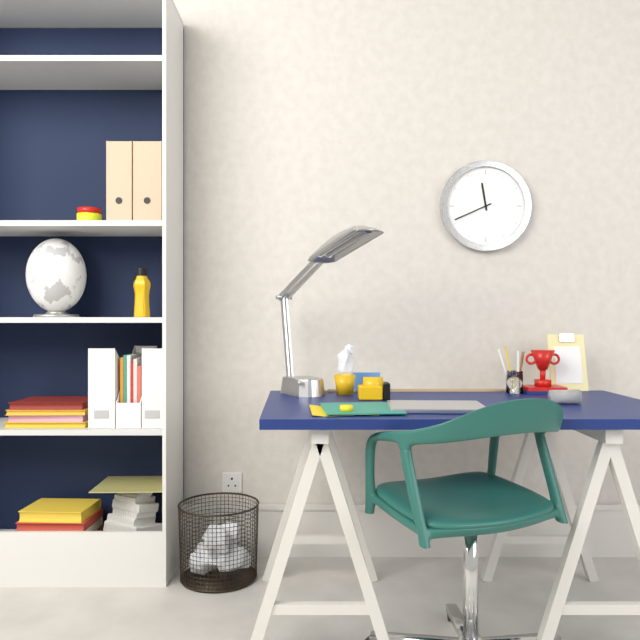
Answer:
11:41
